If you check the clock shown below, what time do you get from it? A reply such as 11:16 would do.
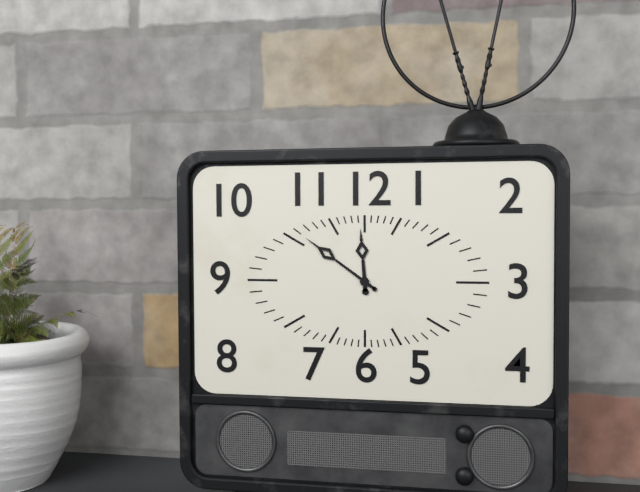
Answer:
11:51
